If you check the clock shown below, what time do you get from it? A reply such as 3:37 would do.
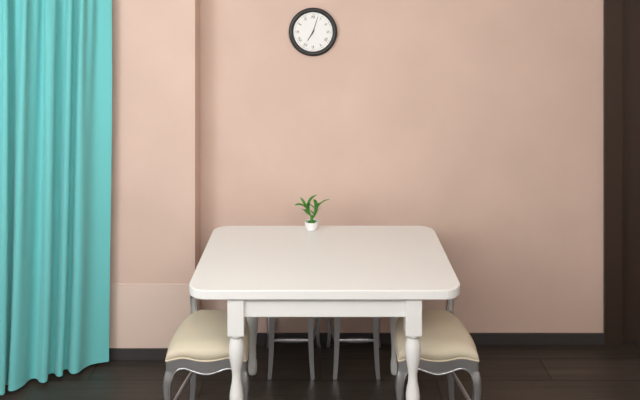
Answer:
7:03
